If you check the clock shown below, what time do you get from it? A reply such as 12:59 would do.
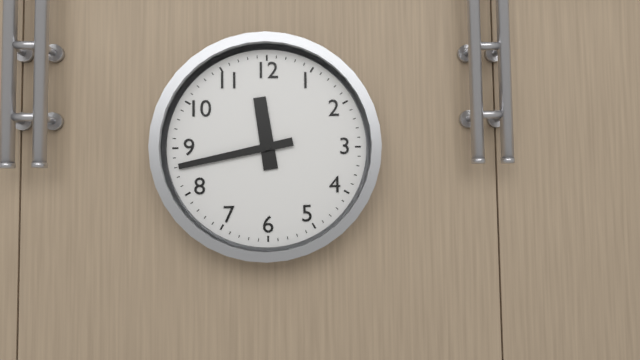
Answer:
11:43
